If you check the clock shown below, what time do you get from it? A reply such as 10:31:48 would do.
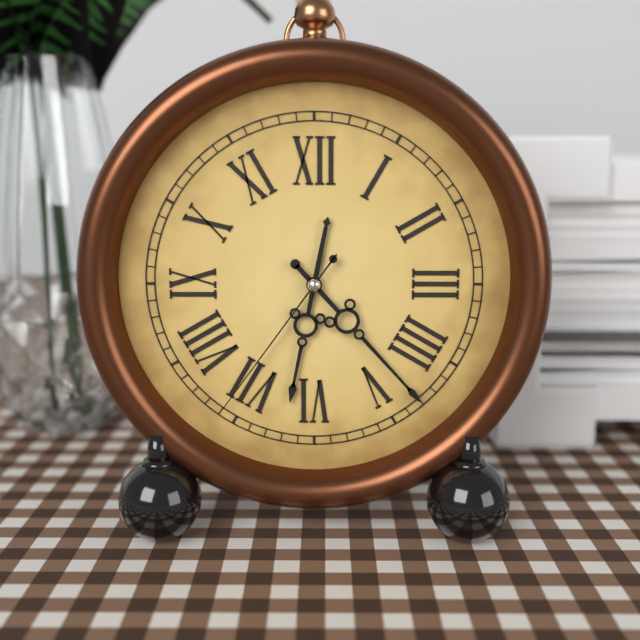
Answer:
6:23:36
